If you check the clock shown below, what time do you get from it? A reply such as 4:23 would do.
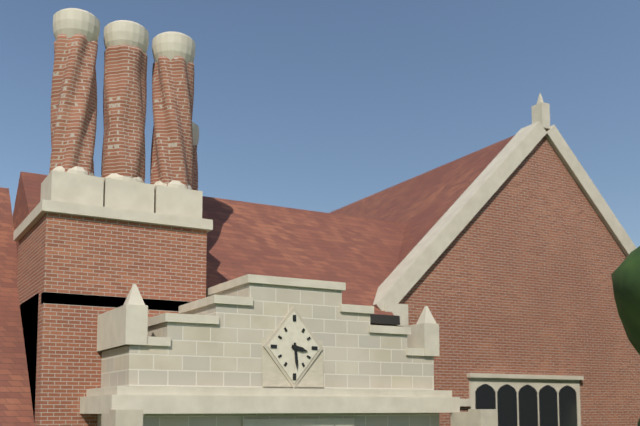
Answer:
3:29
